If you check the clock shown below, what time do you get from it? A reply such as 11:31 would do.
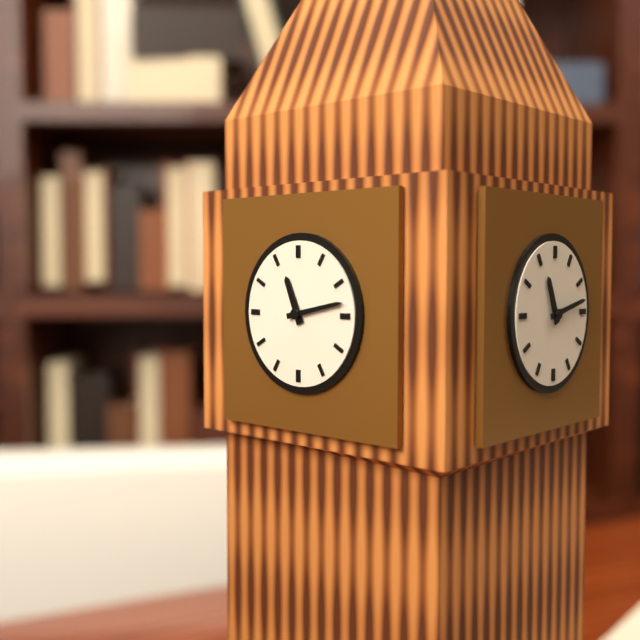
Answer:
11:13
